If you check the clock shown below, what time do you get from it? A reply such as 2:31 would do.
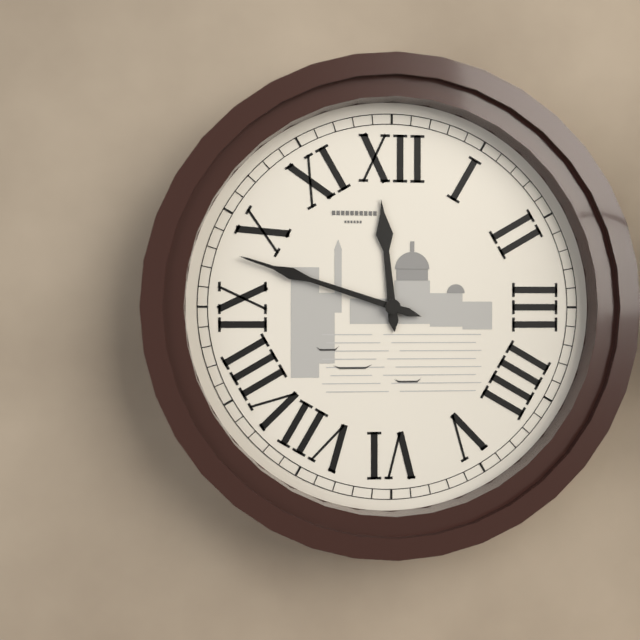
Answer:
11:48
